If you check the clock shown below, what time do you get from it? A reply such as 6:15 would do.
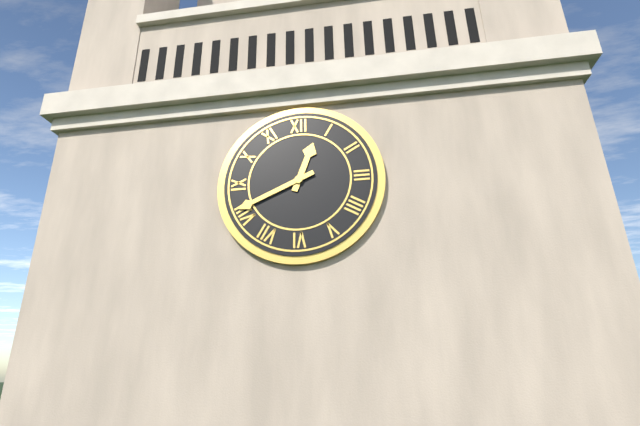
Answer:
12:41
